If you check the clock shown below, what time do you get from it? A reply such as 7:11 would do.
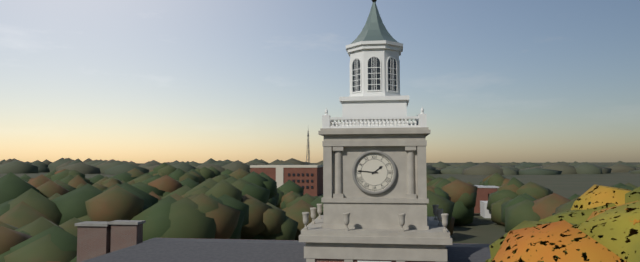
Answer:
1:46
